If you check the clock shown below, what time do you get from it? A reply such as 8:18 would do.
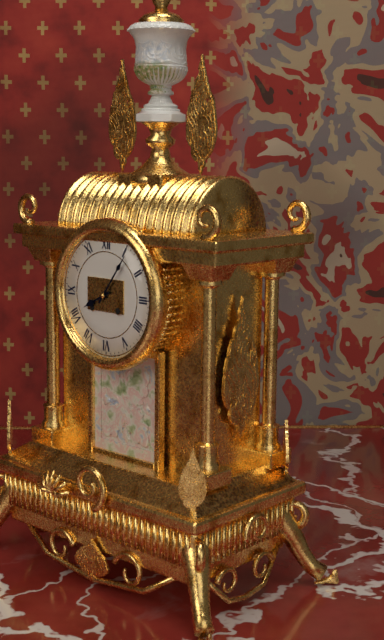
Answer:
8:06
